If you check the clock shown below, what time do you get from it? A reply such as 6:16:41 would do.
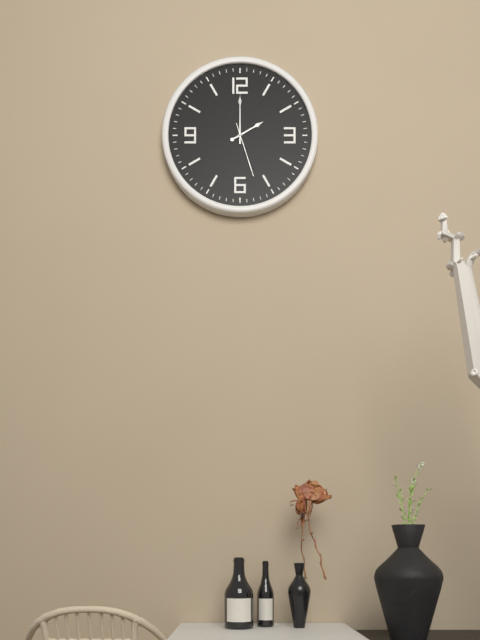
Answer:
2:00:27
